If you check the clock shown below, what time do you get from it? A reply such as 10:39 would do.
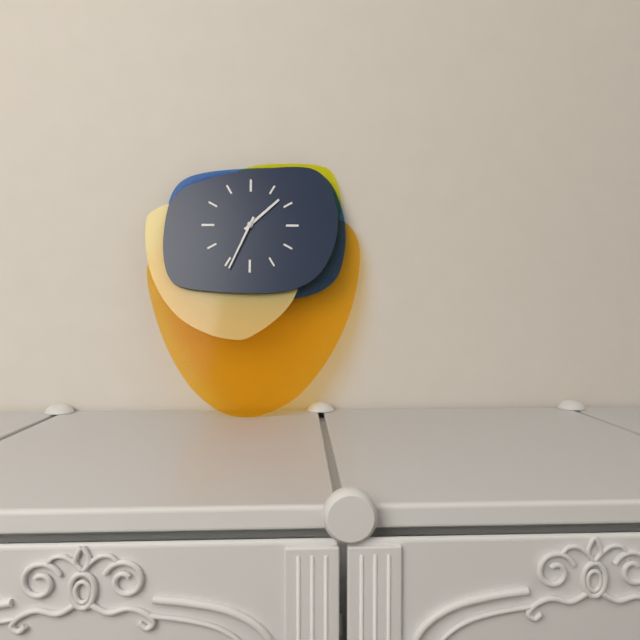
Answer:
1:34
